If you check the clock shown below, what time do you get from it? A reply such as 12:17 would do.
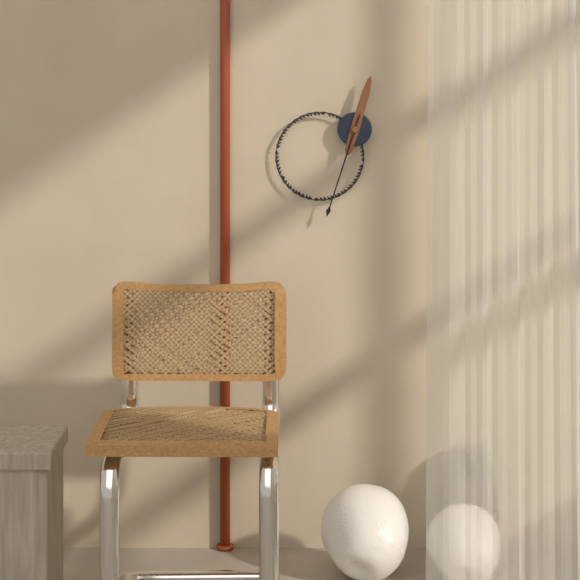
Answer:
12:33
